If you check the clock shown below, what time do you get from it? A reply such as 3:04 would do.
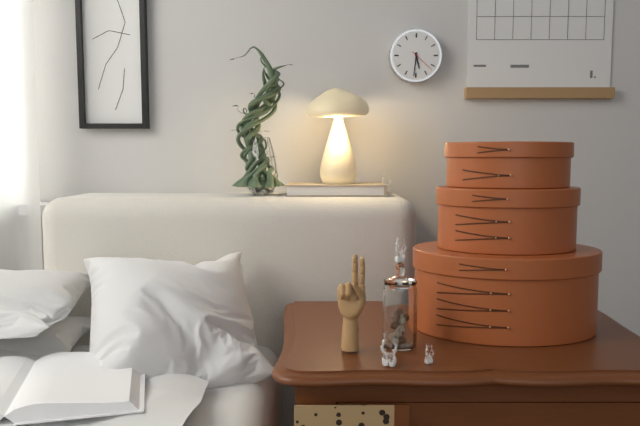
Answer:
5:31
